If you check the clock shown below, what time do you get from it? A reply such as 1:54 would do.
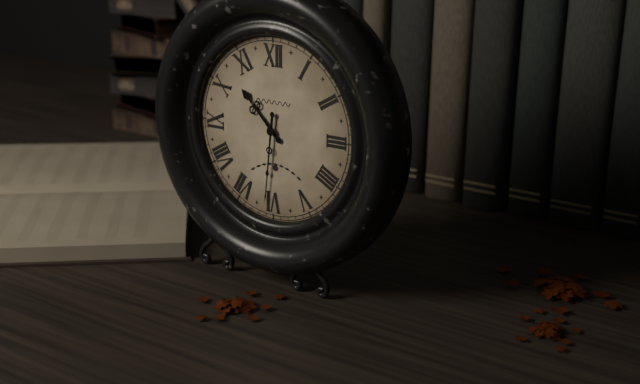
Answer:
10:31
